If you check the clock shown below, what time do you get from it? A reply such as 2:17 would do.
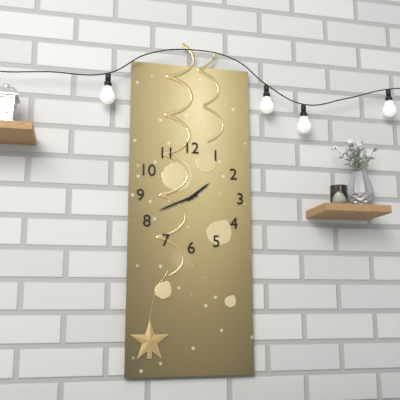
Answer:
1:41
